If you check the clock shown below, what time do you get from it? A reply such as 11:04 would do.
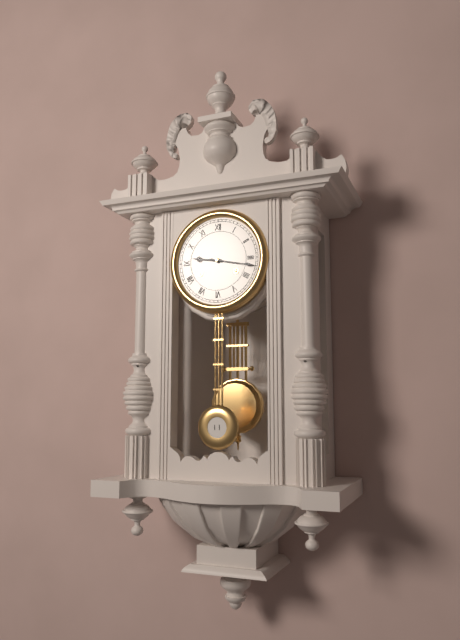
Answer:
9:17
